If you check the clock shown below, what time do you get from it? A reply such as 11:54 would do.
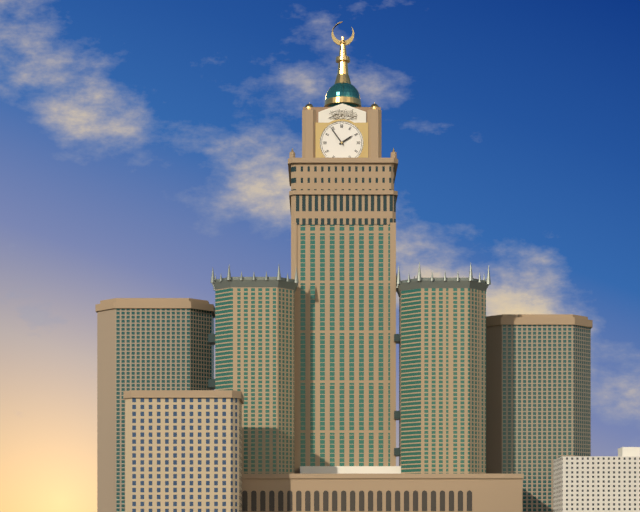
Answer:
1:54
